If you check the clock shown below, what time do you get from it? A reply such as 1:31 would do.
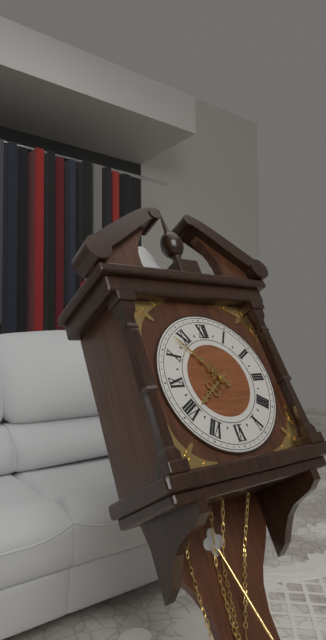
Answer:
7:53
